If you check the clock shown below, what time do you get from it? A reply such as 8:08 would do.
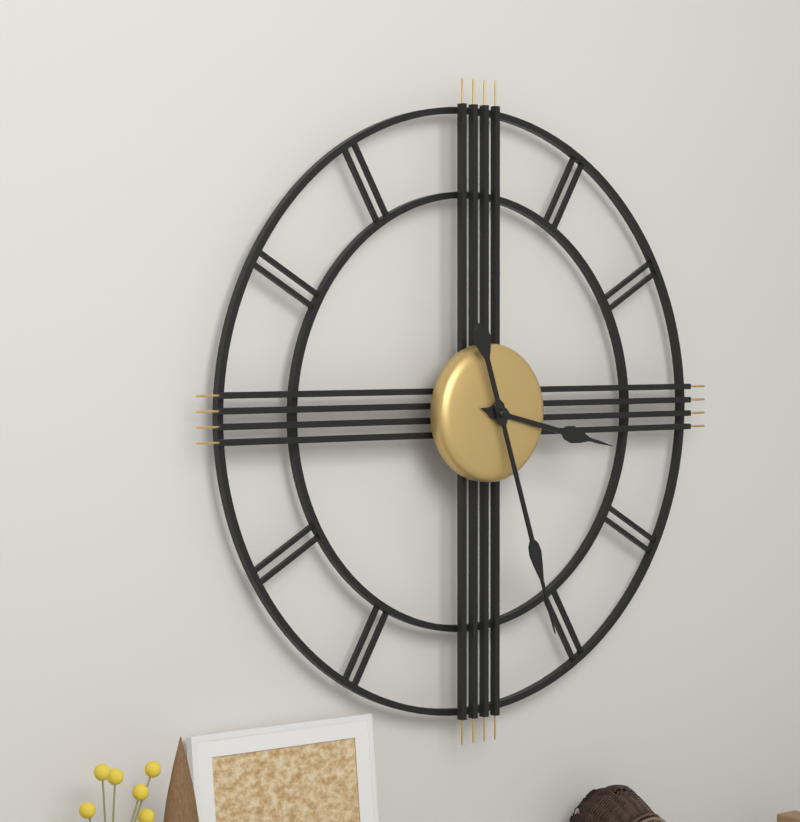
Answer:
3:27
